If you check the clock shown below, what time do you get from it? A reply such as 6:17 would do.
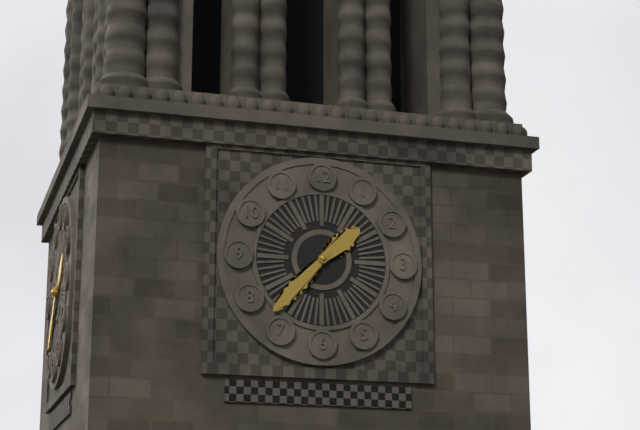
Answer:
1:37
